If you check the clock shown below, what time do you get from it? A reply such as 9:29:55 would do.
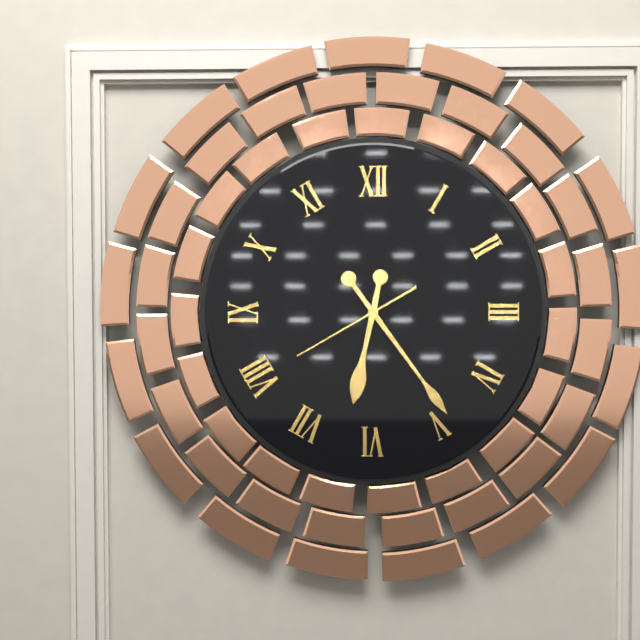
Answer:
6:24:40
